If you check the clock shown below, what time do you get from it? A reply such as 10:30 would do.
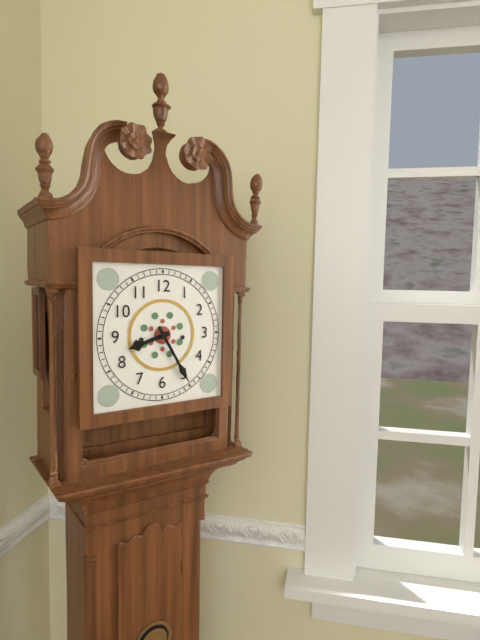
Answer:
8:25
